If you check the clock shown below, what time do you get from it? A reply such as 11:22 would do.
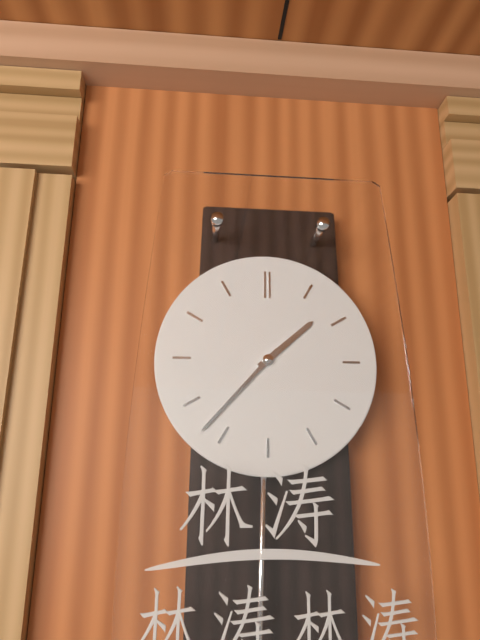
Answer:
1:37
